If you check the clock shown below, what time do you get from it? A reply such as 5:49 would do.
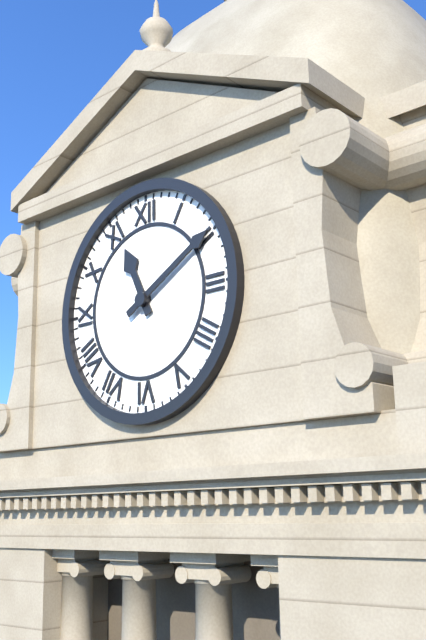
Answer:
11:10
